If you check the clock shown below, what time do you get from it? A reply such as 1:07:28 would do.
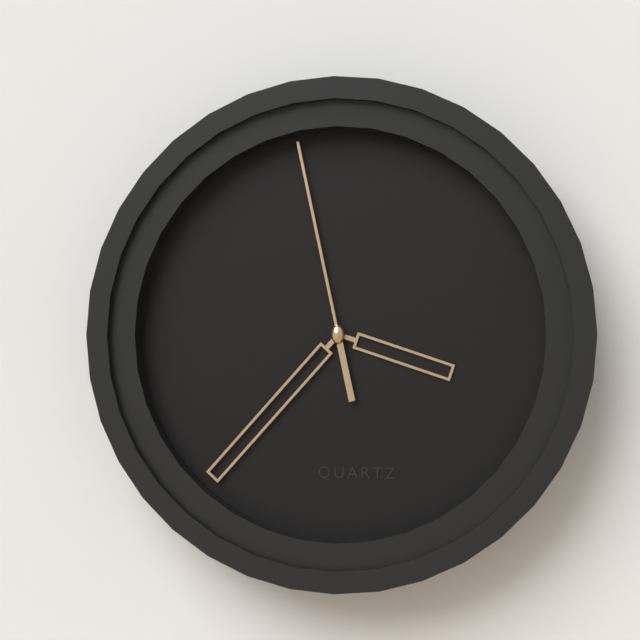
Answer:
3:37:58
